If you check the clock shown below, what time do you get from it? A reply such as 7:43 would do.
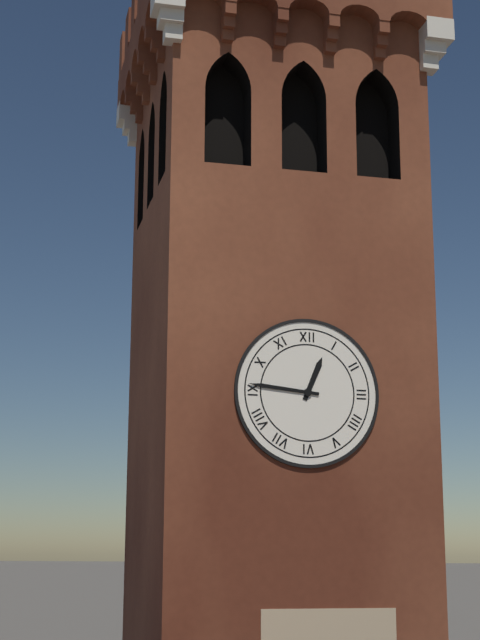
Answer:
12:46
